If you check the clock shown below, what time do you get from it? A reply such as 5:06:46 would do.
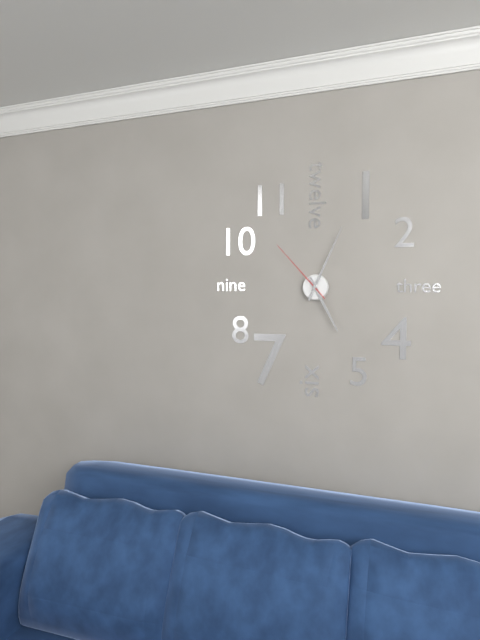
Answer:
5:04:53
